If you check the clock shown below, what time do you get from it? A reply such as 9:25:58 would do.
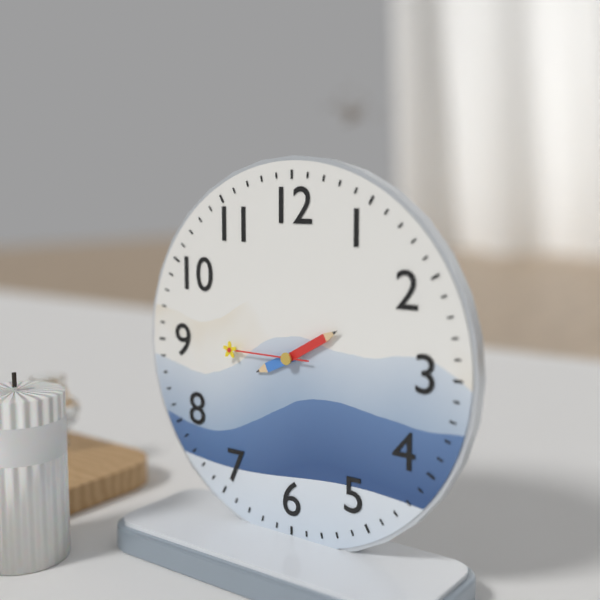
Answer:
8:10:45
